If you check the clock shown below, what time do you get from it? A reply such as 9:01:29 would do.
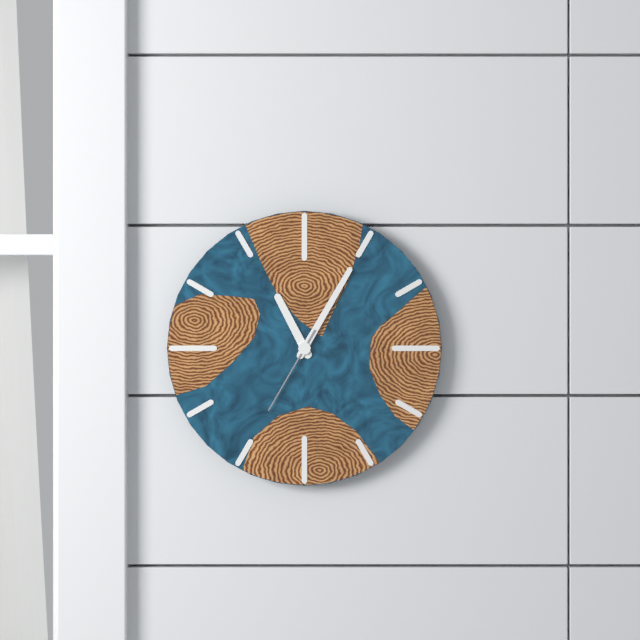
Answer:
11:05:35
